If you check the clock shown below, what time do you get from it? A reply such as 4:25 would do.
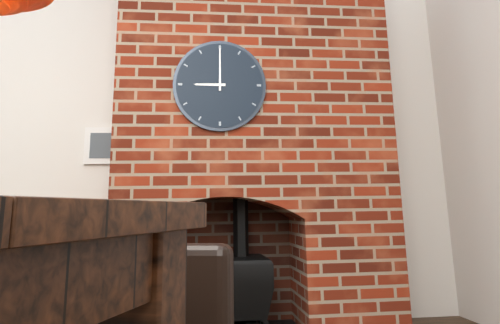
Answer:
9:00
